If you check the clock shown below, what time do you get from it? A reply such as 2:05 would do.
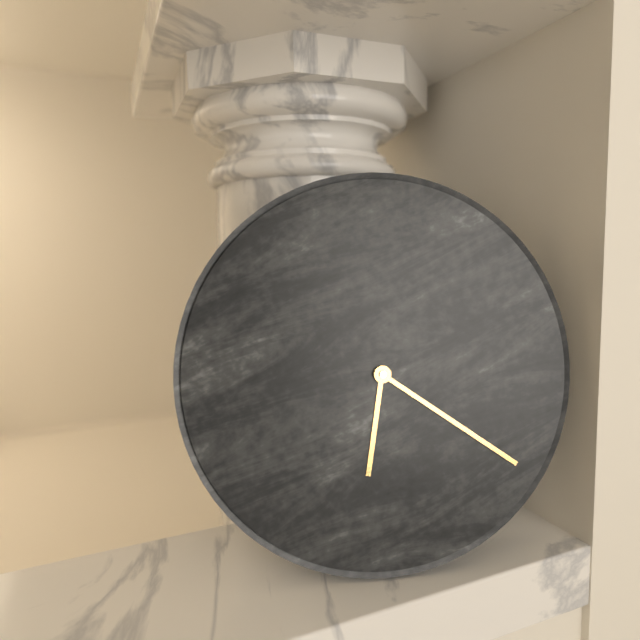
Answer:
6:21
